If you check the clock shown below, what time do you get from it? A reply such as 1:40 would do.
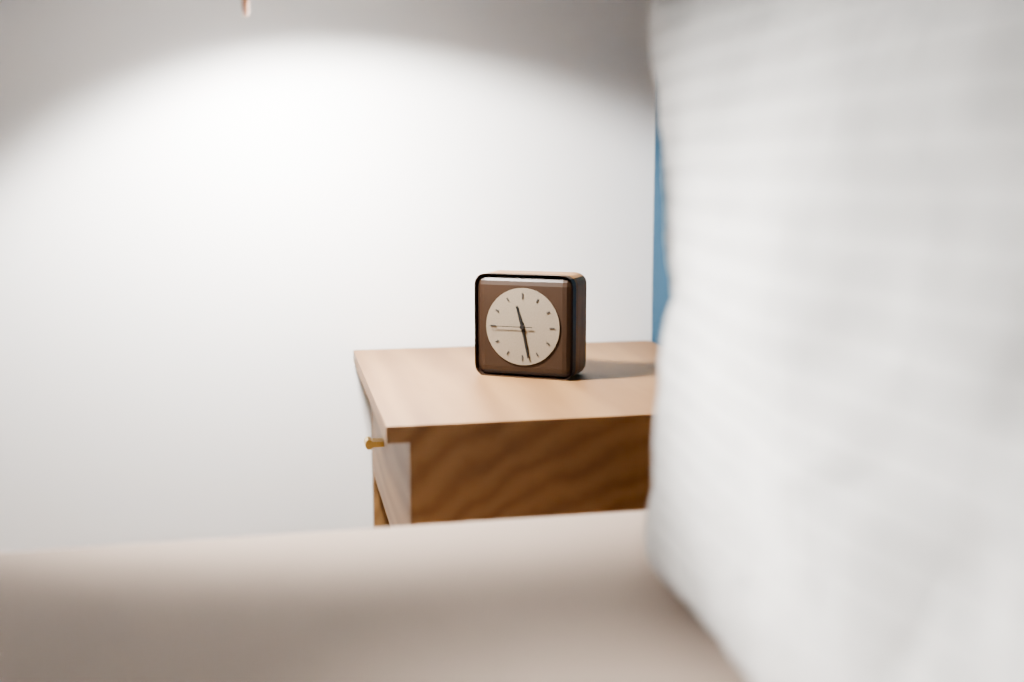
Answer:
11:28
